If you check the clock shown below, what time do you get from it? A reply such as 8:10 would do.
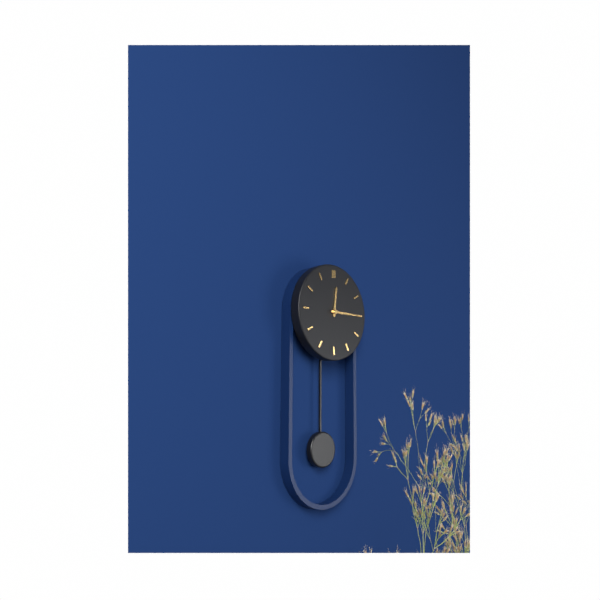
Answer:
12:15
